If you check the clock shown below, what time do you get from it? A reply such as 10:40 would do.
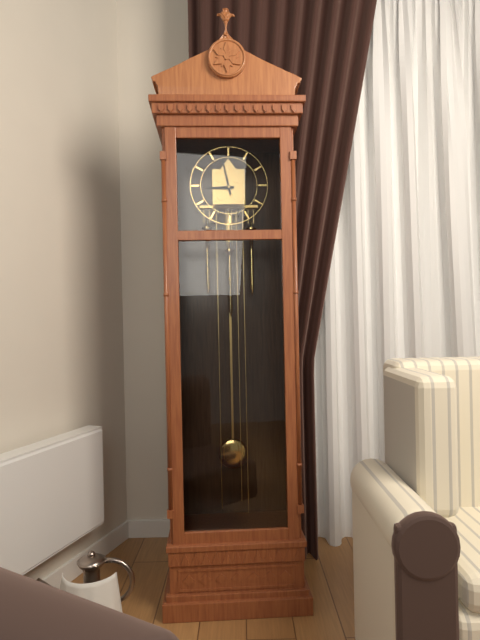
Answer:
8:58
